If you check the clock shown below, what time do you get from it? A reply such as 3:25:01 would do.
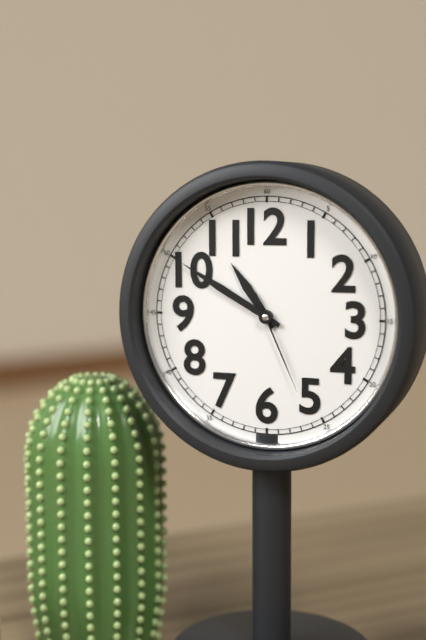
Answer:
10:50:26
